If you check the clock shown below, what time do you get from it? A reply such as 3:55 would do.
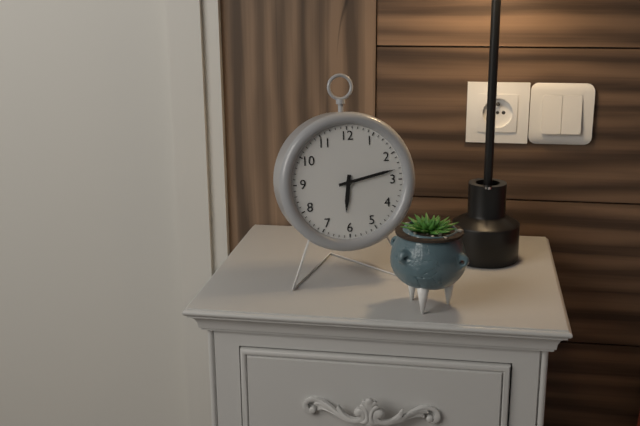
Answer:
6:13
